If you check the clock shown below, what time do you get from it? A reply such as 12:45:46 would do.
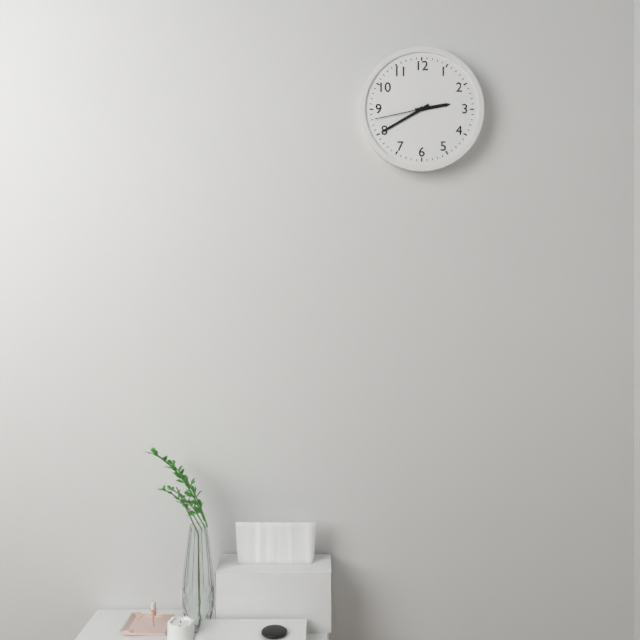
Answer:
2:40:43
